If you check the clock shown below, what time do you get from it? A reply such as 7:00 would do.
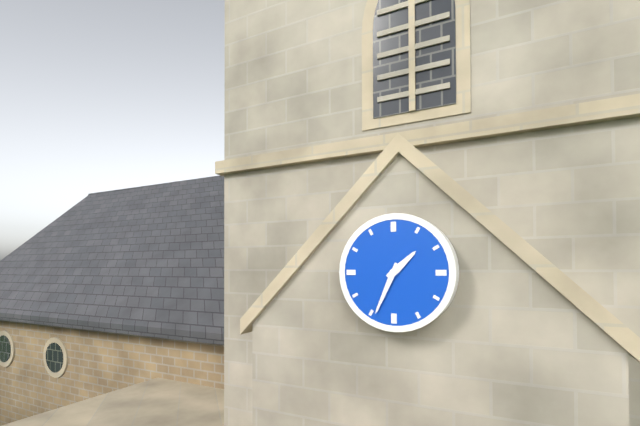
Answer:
1:34
